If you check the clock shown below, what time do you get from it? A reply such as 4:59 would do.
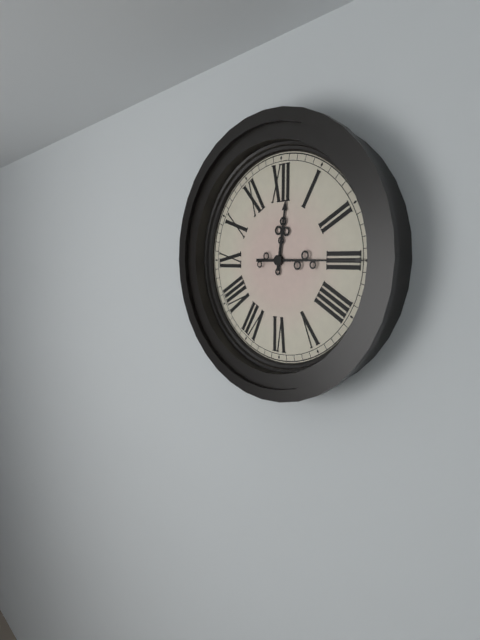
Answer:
12:15
